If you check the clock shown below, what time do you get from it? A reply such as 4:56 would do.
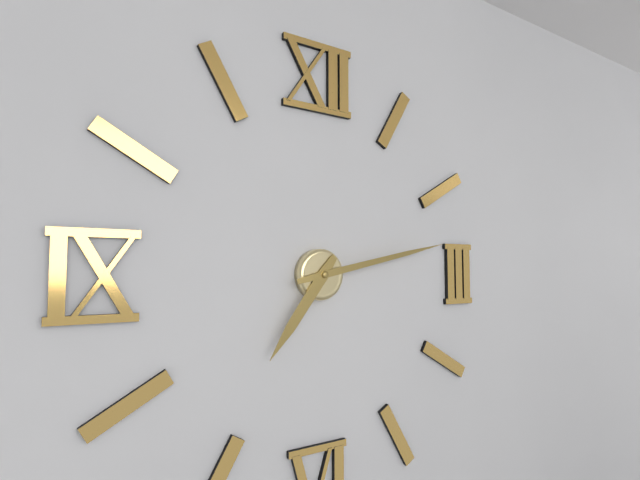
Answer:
7:13
